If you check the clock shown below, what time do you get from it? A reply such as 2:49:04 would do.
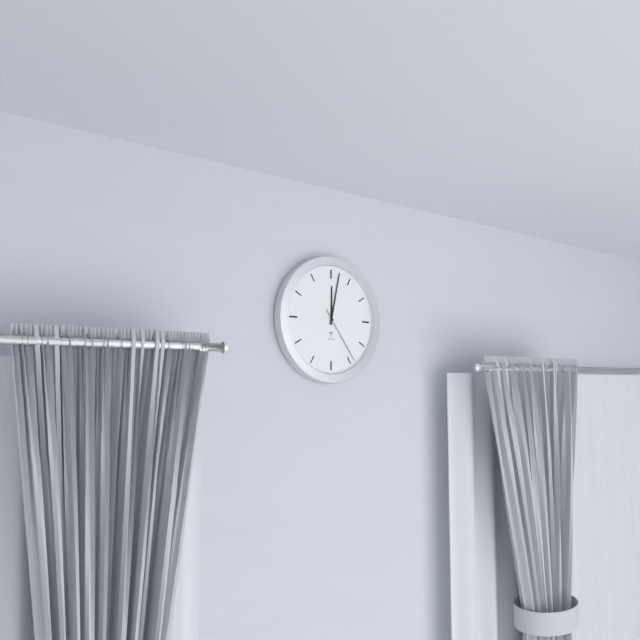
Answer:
12:02:24
